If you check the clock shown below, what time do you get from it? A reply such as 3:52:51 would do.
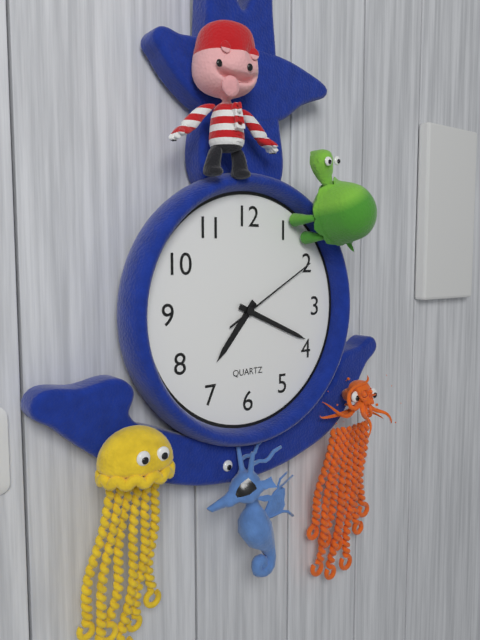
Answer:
7:19:10
